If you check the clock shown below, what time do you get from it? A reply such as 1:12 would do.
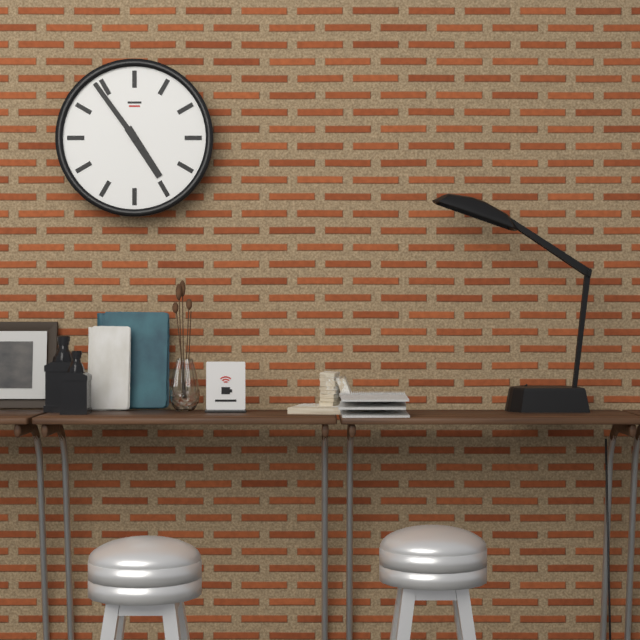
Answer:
4:54
